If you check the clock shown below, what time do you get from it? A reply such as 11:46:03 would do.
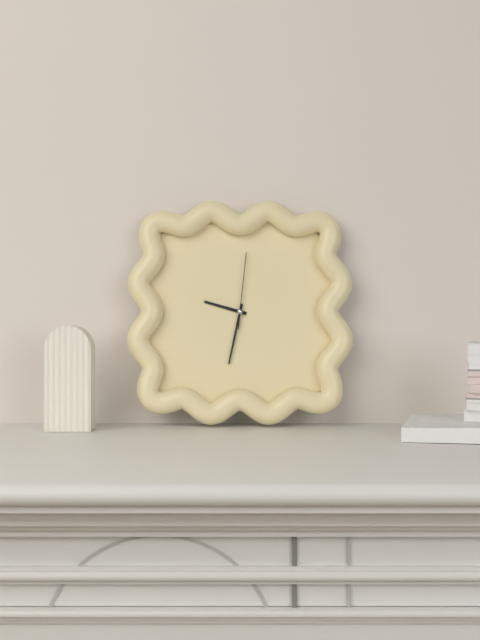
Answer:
9:32:01
